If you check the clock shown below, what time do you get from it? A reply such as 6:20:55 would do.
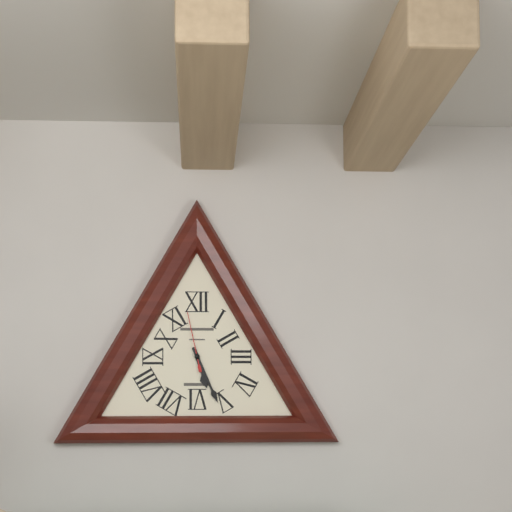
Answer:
5:26:58
